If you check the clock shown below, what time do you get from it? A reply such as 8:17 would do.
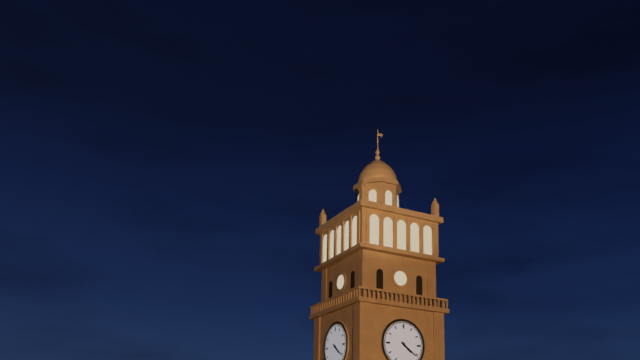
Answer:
4:21
